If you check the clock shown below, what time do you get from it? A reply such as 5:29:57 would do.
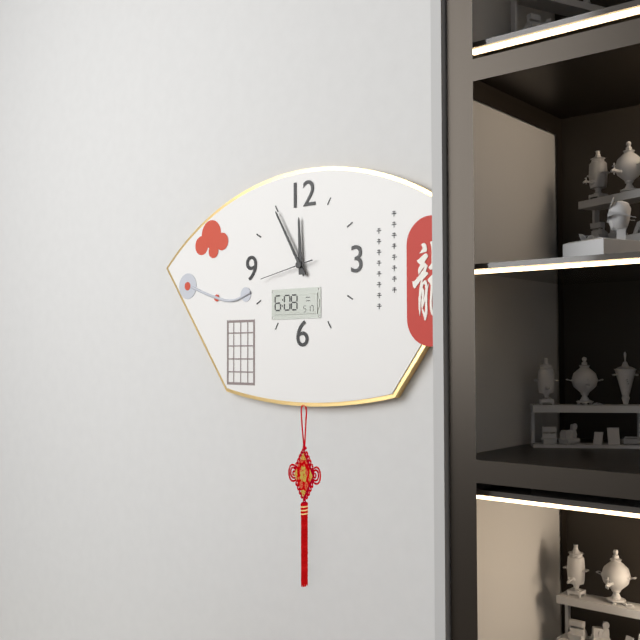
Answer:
11:55:43
